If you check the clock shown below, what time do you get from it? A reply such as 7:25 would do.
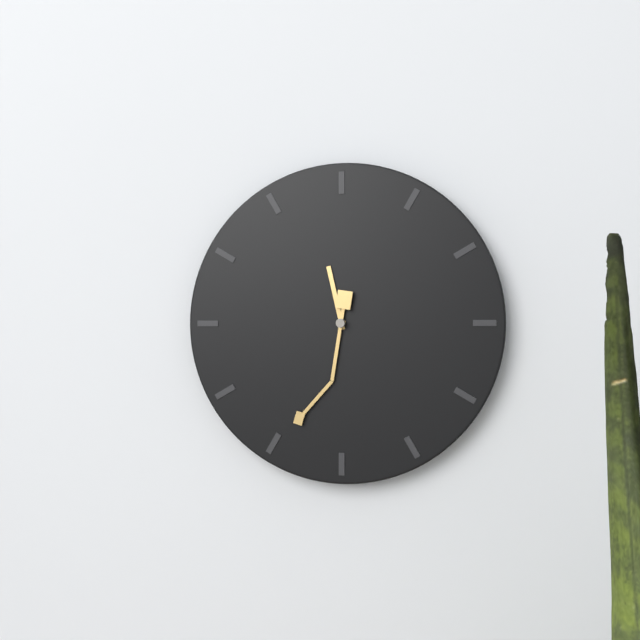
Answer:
11:34
